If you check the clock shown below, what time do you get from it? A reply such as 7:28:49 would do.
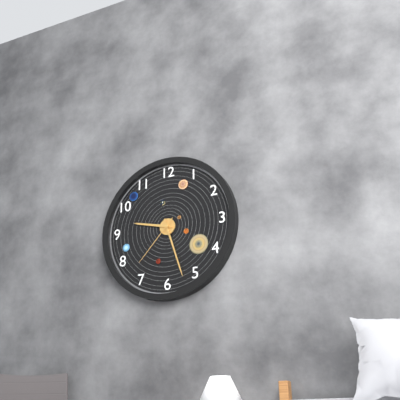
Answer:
9:27:37
